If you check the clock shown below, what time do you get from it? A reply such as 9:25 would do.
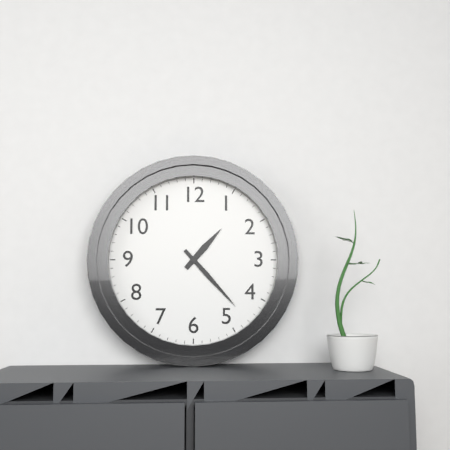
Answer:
1:23
